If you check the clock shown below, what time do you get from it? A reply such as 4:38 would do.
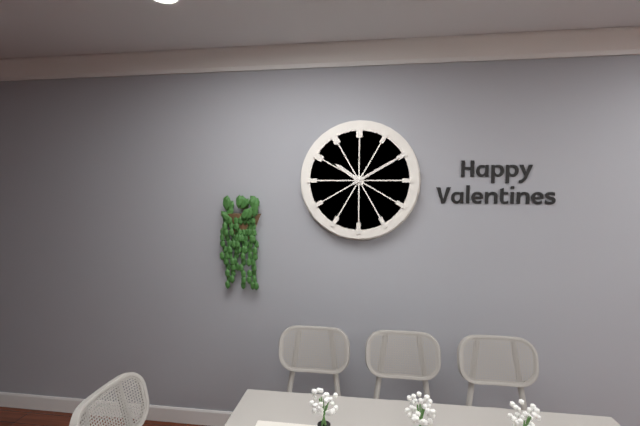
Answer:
10:10
